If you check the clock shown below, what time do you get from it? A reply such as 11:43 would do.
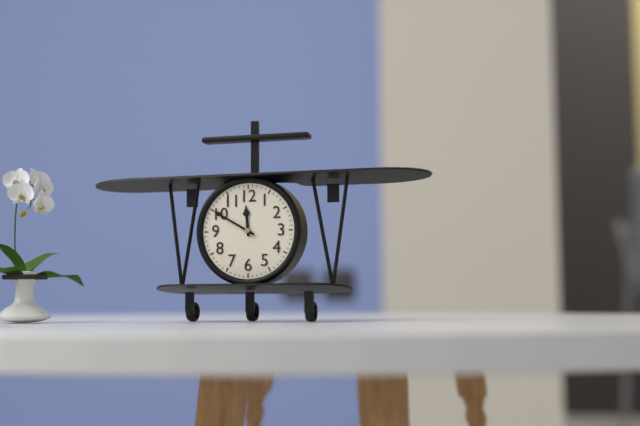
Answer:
11:50
